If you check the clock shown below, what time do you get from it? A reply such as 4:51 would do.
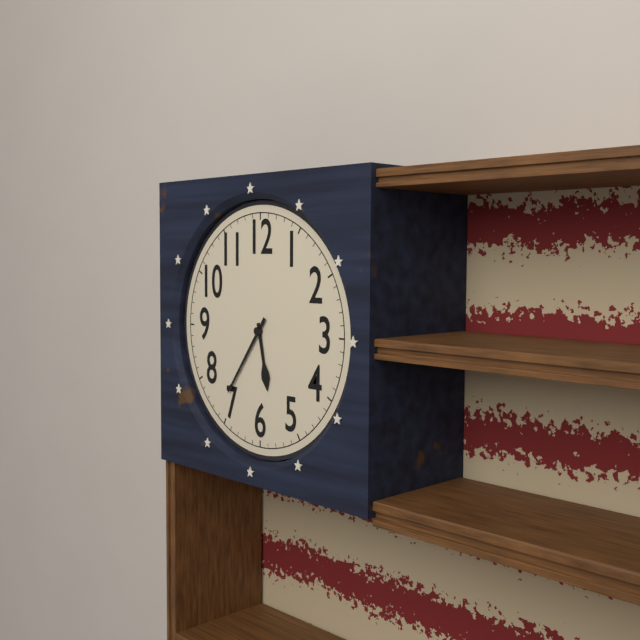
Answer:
5:36
